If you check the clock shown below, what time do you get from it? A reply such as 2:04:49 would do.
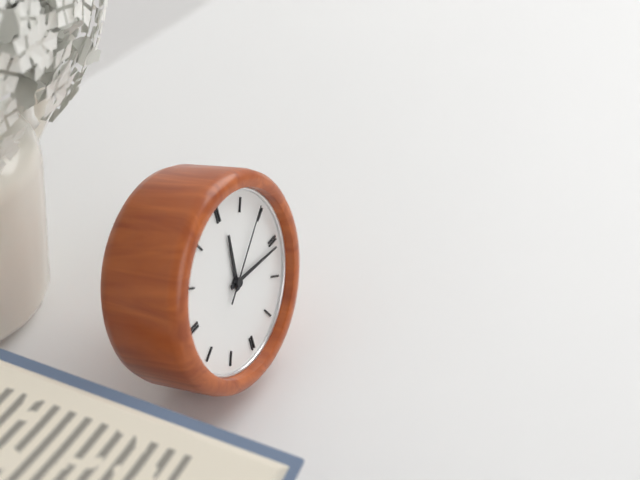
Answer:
12:16:09
